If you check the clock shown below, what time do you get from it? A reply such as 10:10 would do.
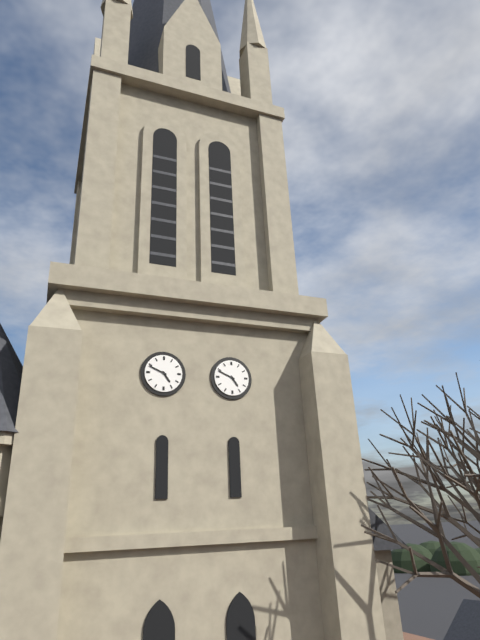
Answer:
4:49
